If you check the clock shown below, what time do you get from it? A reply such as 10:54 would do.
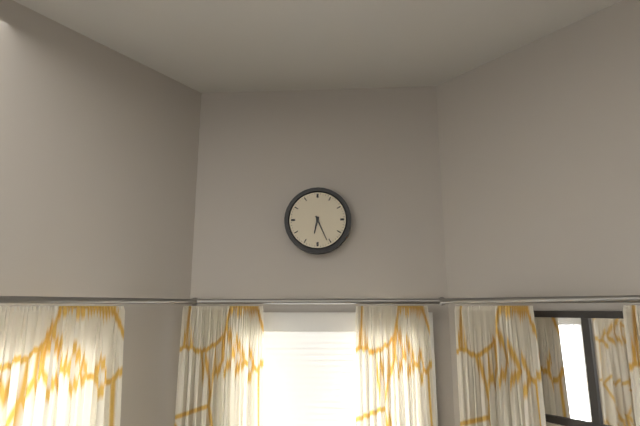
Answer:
6:26
